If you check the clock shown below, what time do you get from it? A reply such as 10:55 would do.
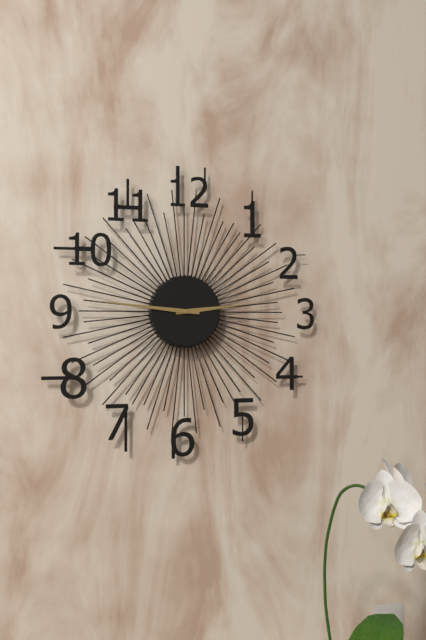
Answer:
2:46
